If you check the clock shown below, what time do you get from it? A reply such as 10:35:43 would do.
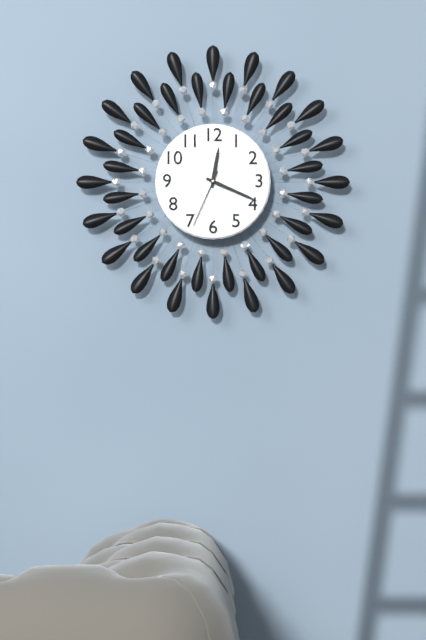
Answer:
12:19:34
